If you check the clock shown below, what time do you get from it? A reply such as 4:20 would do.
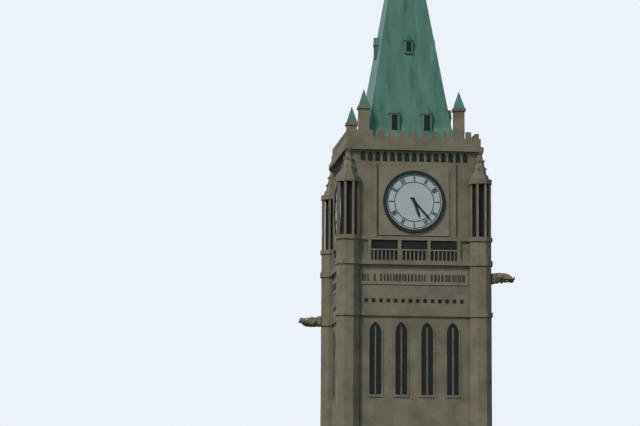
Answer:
5:23
